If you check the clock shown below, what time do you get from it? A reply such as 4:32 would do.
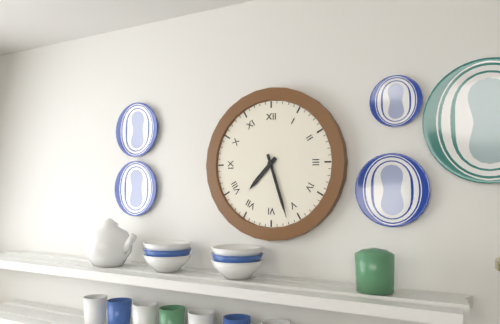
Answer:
7:27
